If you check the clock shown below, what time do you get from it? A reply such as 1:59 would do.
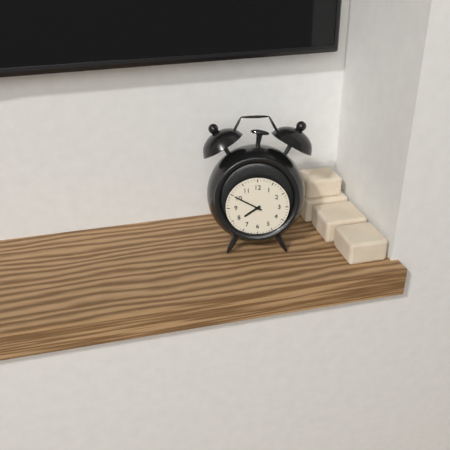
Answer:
7:50
